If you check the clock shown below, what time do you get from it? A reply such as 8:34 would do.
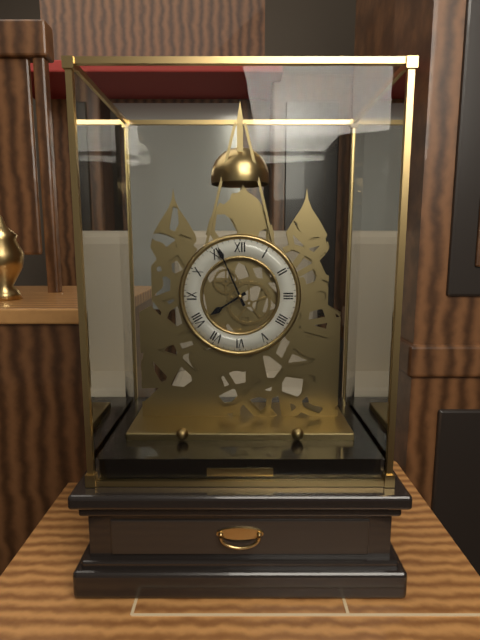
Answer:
7:56
